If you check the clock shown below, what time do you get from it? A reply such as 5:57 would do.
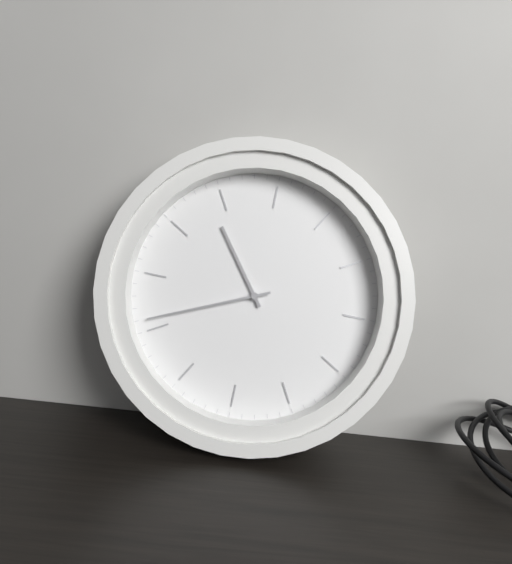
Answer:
11:46
